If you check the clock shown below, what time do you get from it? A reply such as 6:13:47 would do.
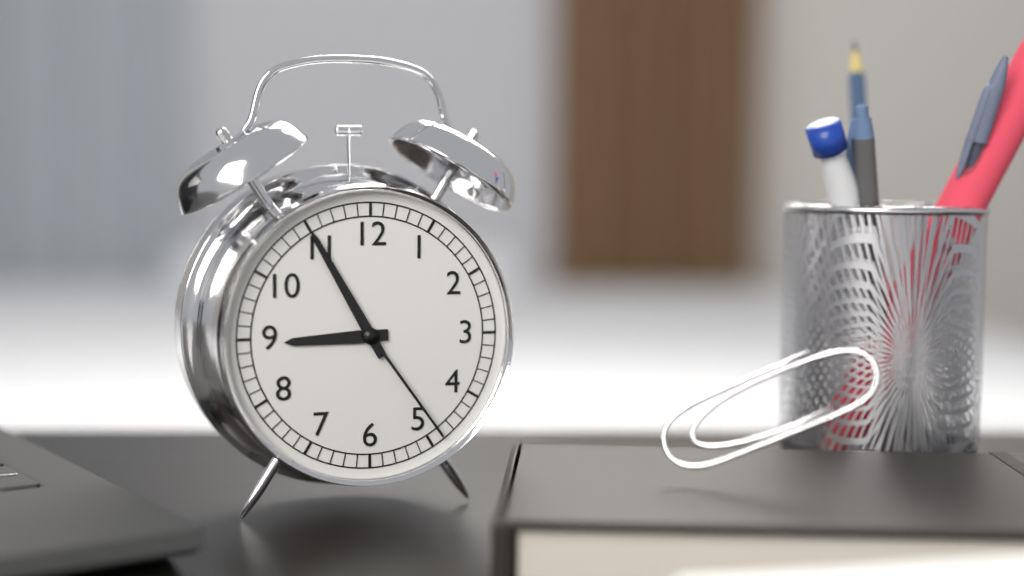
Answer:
8:55:24
